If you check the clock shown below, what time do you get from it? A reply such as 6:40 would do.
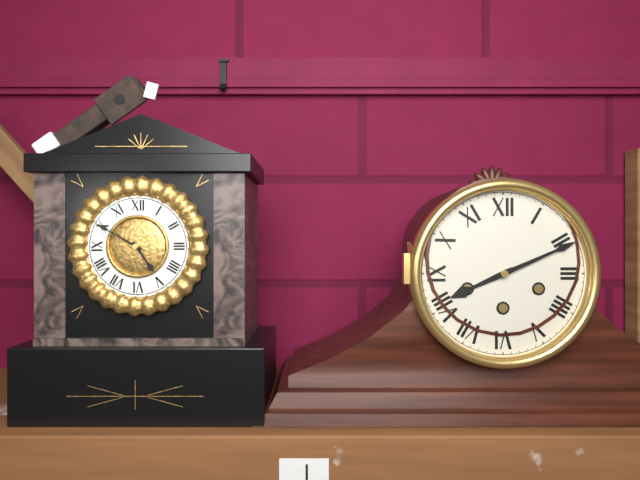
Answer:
8:11
